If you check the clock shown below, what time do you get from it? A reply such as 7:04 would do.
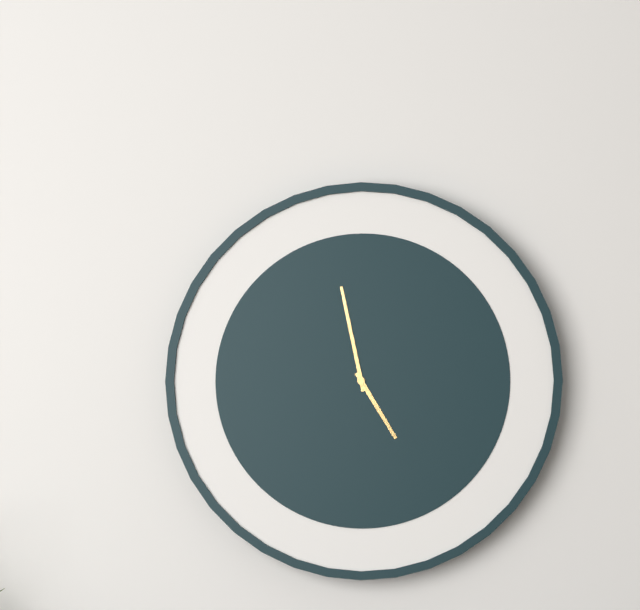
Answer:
4:58
